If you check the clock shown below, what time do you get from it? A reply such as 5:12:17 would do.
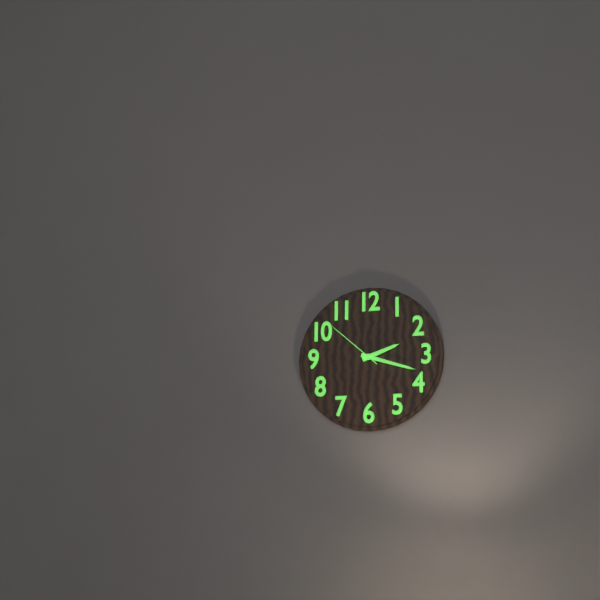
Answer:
2:18:52
